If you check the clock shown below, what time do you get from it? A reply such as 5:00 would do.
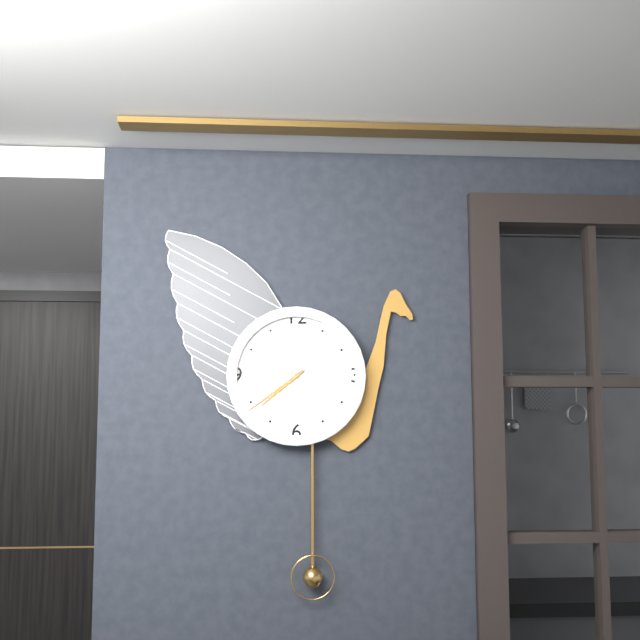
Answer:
7:39
